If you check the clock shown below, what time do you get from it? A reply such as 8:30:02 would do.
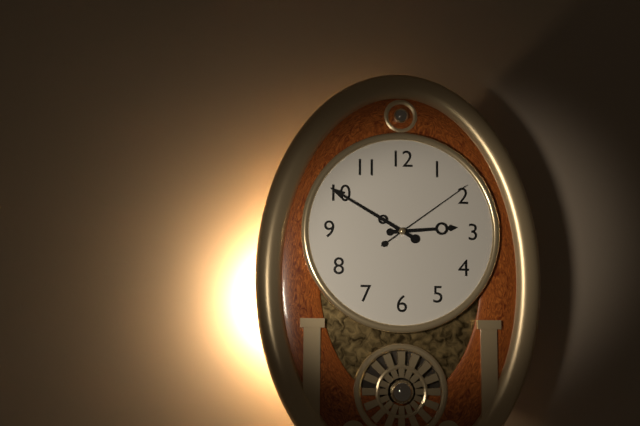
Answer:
2:50:09
